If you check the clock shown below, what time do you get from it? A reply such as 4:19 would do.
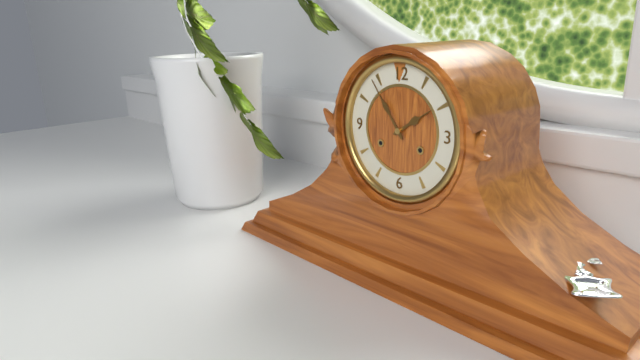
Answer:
1:54
